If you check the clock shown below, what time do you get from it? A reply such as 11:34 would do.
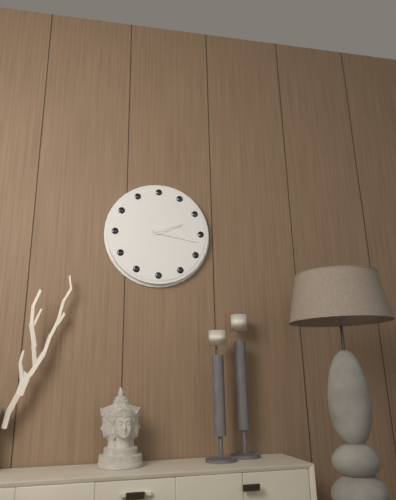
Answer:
2:17
